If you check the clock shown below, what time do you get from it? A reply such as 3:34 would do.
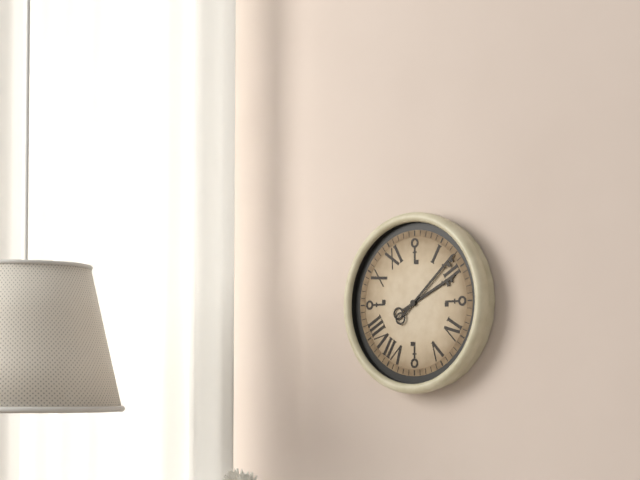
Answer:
2:08
